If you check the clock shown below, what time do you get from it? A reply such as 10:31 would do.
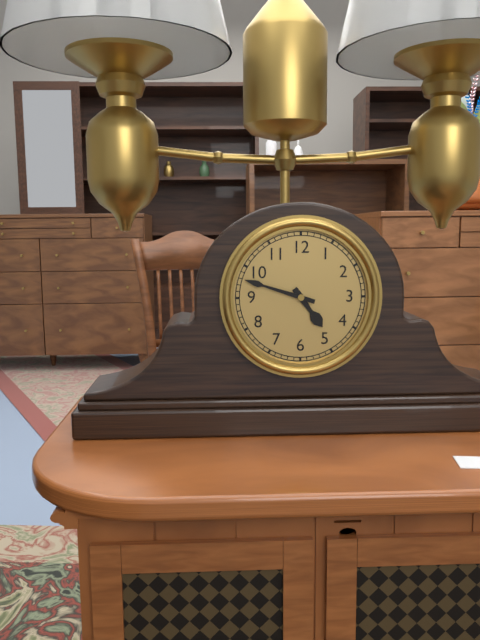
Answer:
4:48
